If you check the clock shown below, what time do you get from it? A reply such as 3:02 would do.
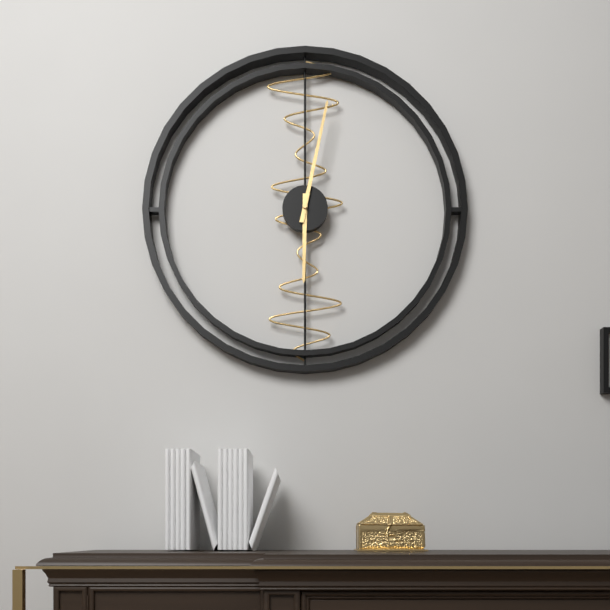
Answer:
6:02
